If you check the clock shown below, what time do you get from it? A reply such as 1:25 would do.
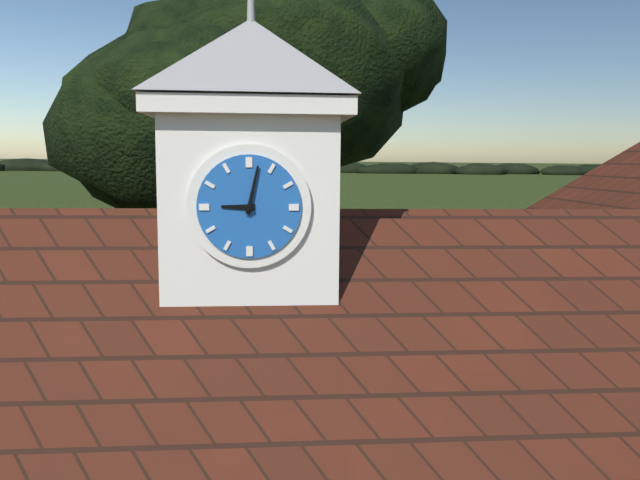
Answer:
9:02
